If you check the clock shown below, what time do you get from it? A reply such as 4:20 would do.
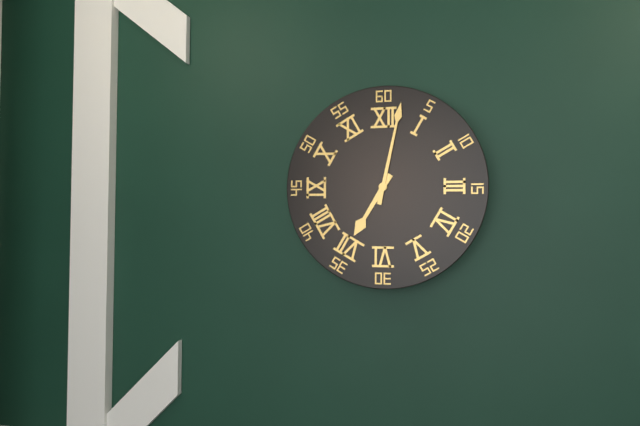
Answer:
7:02
